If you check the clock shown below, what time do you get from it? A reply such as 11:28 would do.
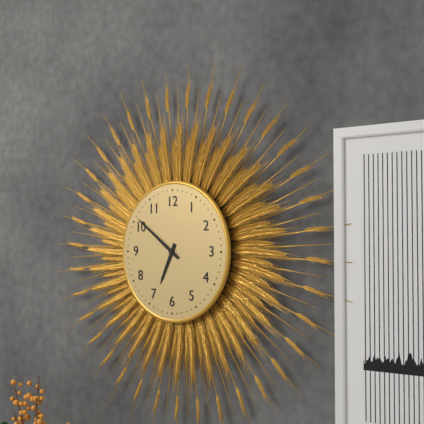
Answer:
6:51
